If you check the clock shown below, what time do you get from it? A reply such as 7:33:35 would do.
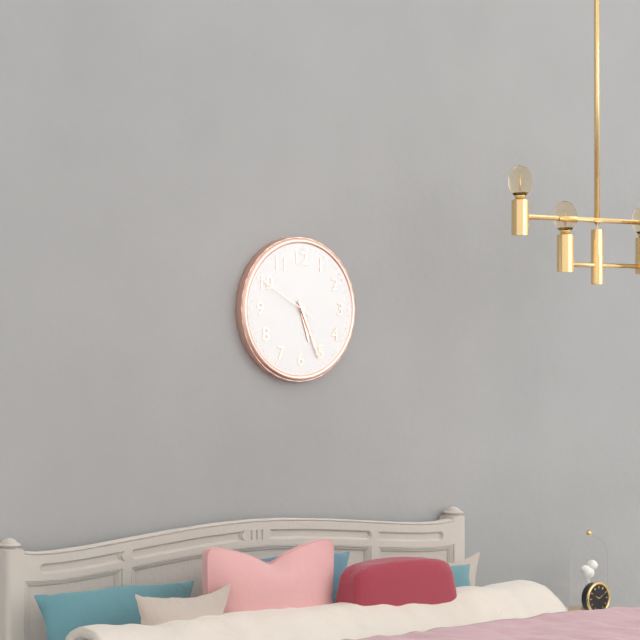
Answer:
5:26:50
